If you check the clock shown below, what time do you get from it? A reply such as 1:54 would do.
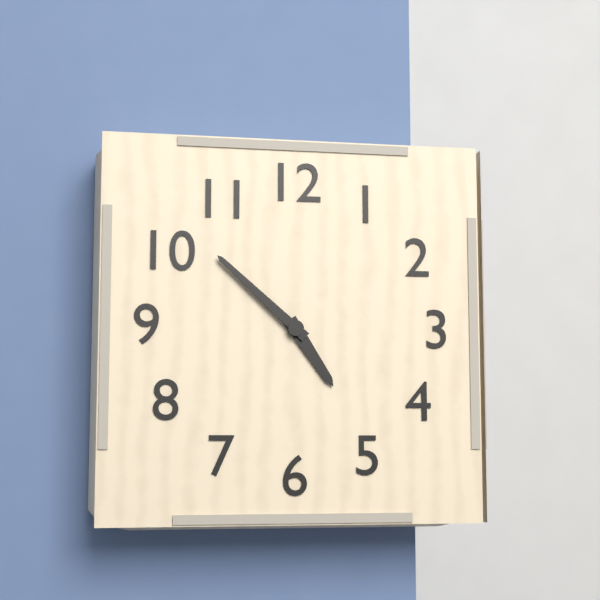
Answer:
4:52
